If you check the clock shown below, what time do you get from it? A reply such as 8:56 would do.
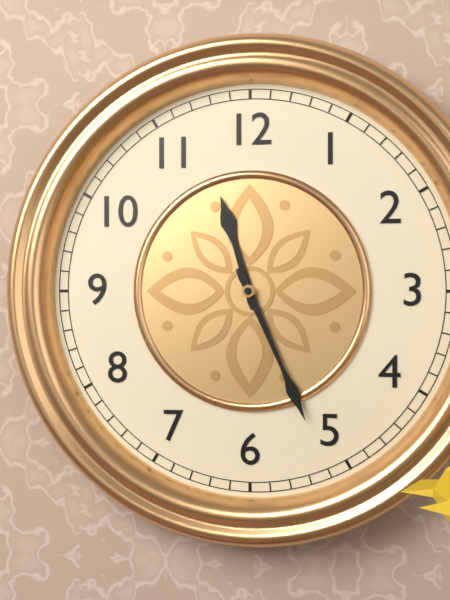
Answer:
11:26
